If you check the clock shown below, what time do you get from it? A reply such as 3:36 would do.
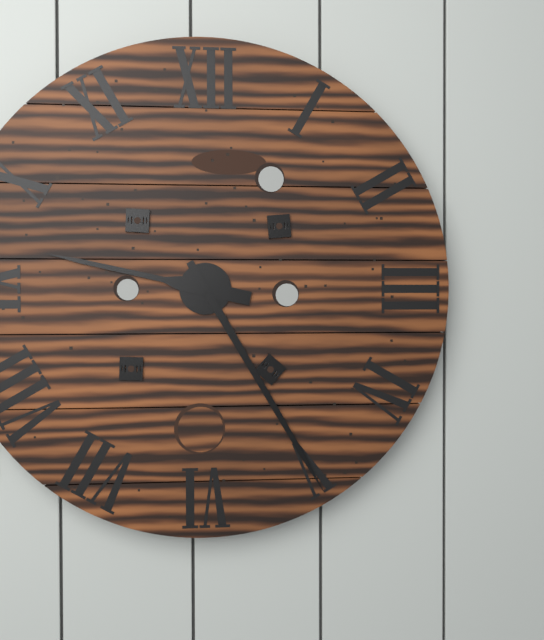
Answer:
9:25
